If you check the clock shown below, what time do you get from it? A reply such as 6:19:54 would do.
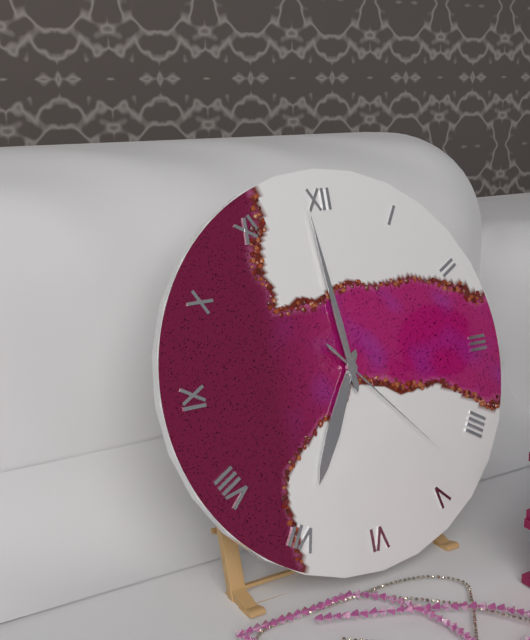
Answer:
6:59:23
